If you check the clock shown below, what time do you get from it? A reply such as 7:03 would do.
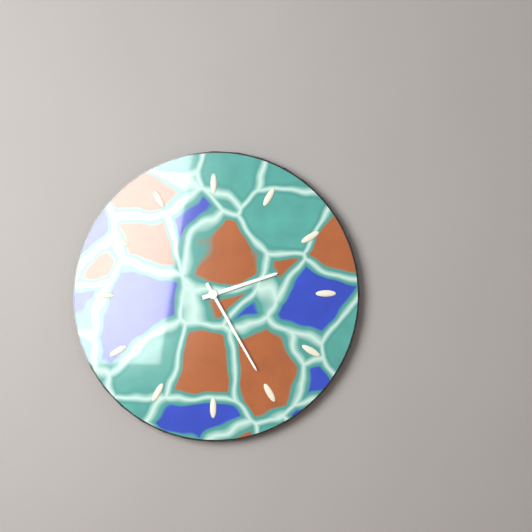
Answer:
2:25
